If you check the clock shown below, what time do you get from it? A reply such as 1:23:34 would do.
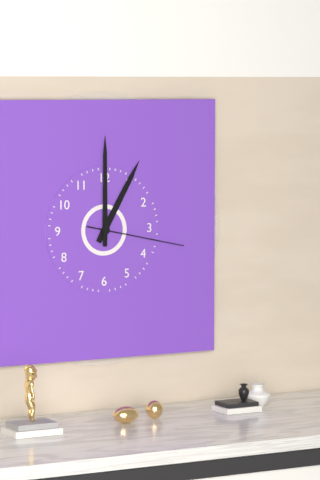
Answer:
1:00:17
